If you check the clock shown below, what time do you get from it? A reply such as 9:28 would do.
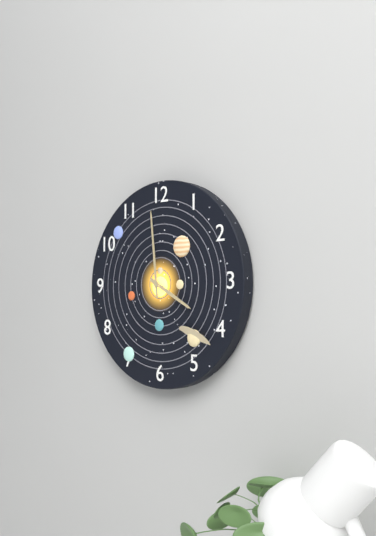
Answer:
3:59
